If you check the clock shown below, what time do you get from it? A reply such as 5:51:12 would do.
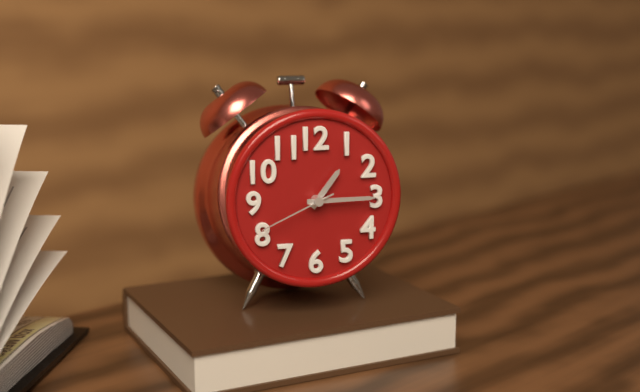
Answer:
1:15:41
